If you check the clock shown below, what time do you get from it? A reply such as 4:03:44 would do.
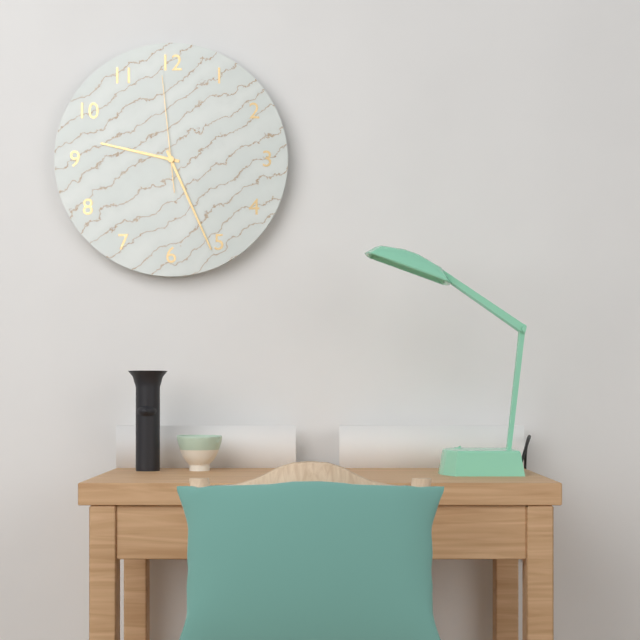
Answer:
9:26:59
